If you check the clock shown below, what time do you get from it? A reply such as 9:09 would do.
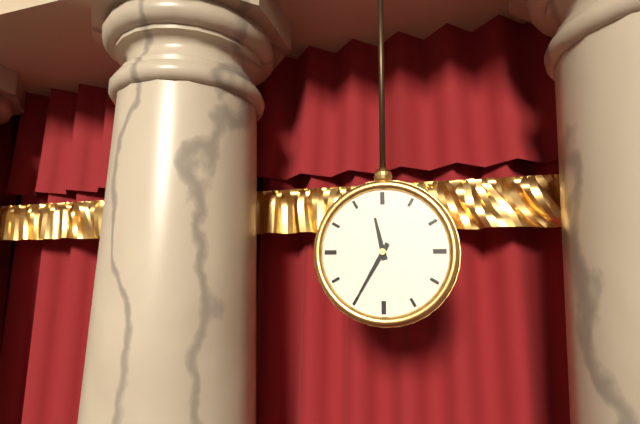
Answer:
11:35
